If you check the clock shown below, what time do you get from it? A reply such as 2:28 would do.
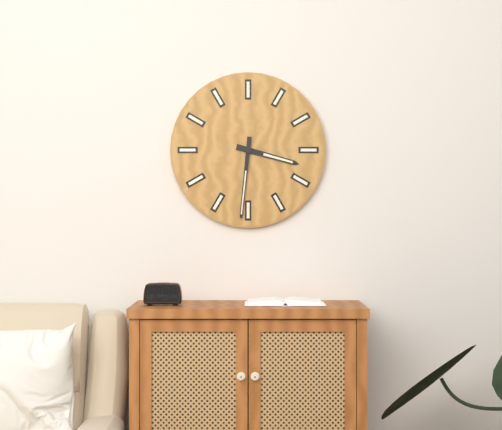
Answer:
3:31
